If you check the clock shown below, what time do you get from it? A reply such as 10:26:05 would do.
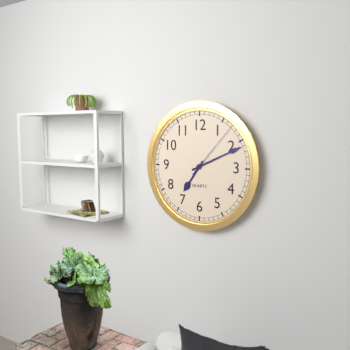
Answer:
7:11:07
